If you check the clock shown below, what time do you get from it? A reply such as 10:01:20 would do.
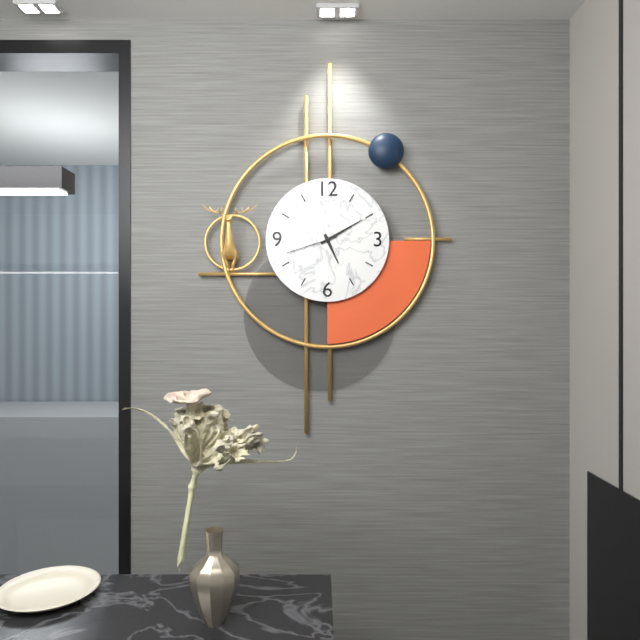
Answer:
5:10:42
